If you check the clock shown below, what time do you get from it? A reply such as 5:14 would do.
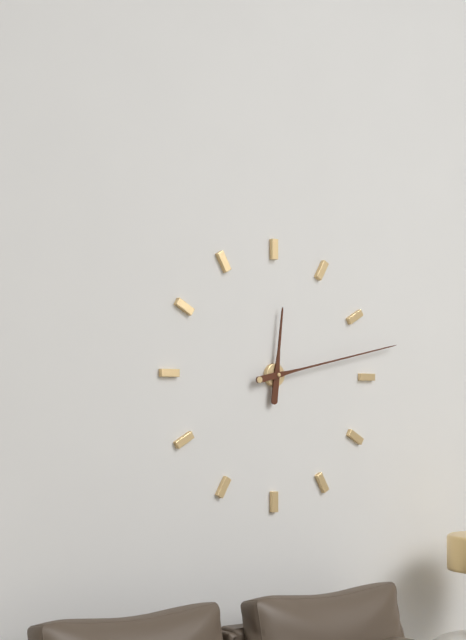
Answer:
12:13
